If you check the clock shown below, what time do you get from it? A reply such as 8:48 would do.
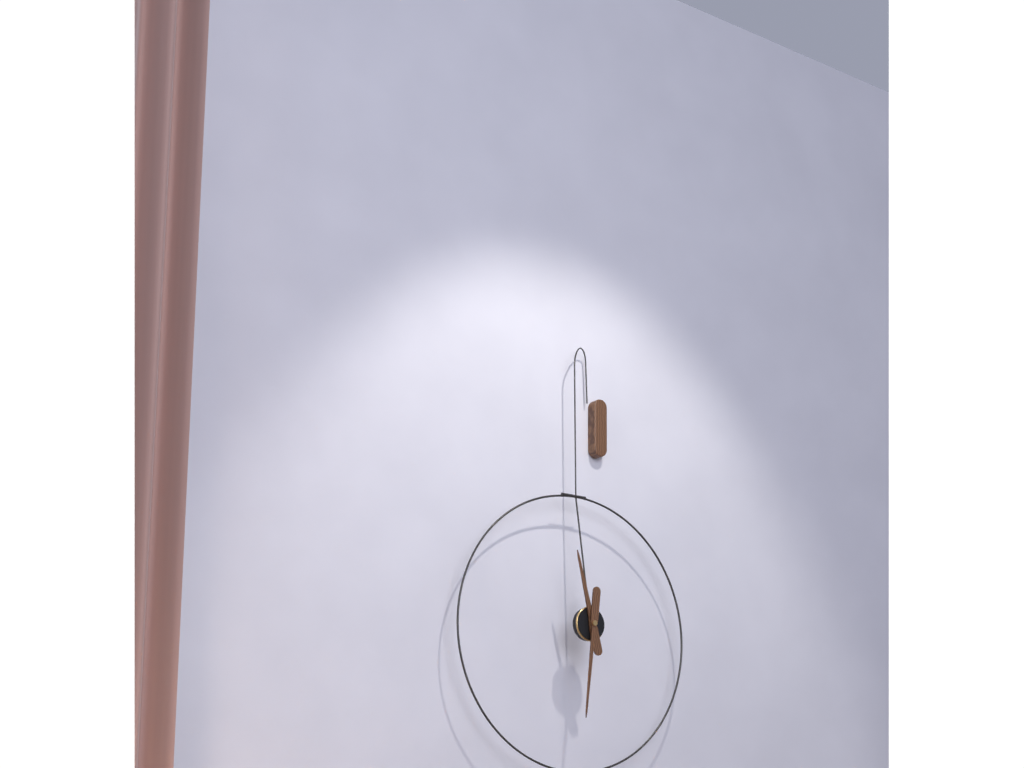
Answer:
11:31
